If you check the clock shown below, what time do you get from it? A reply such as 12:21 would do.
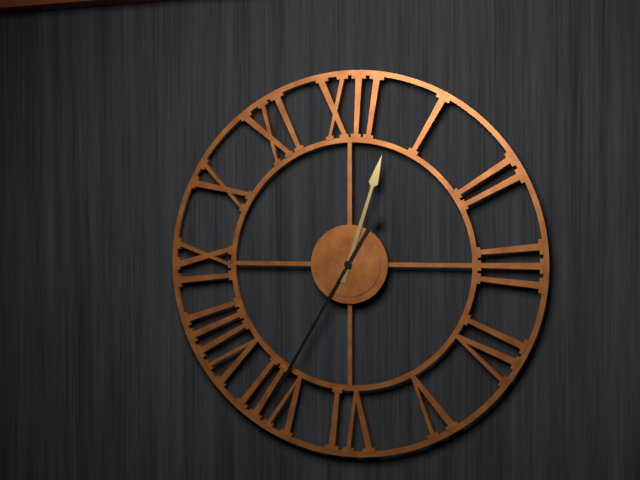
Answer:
12:35
